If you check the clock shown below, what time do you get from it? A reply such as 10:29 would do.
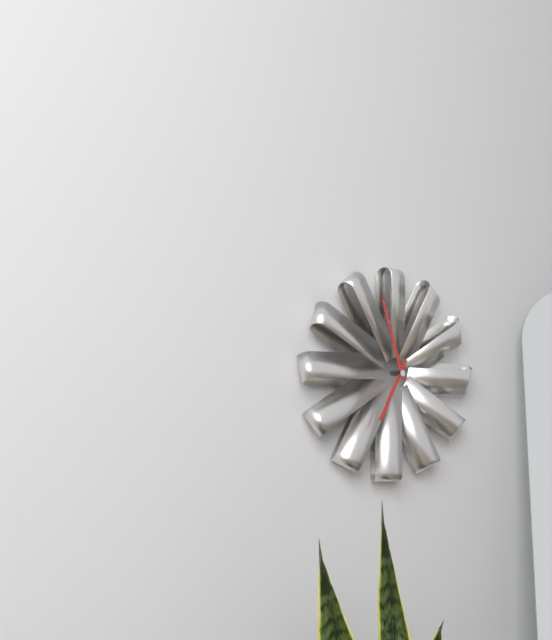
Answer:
6:57
